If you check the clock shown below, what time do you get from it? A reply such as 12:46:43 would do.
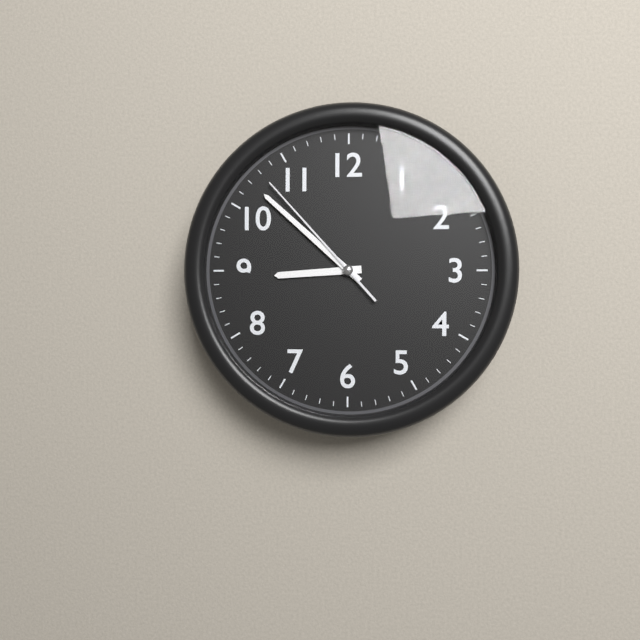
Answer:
8:52:53
